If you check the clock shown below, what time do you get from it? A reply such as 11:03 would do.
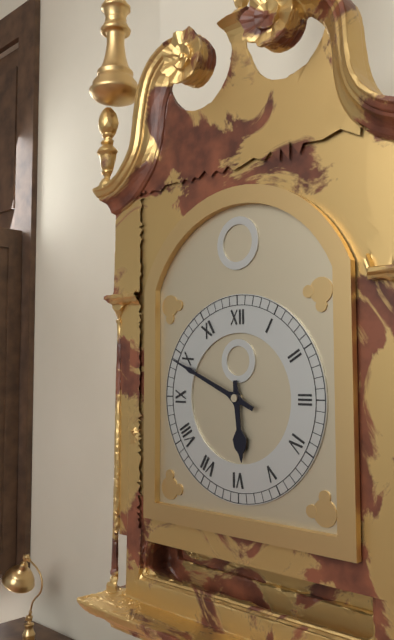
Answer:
5:49
